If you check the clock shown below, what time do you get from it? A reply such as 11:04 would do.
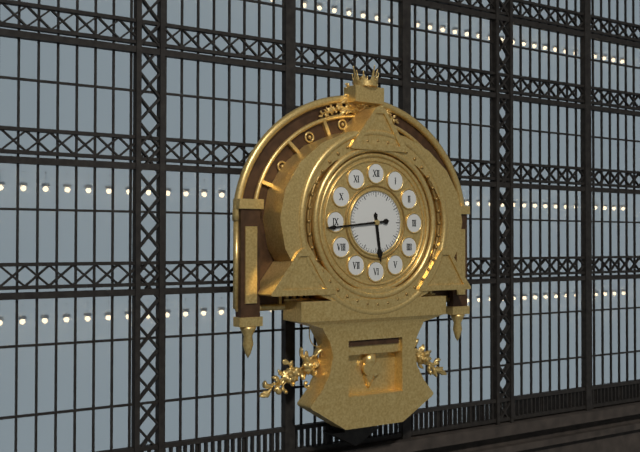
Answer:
5:44
